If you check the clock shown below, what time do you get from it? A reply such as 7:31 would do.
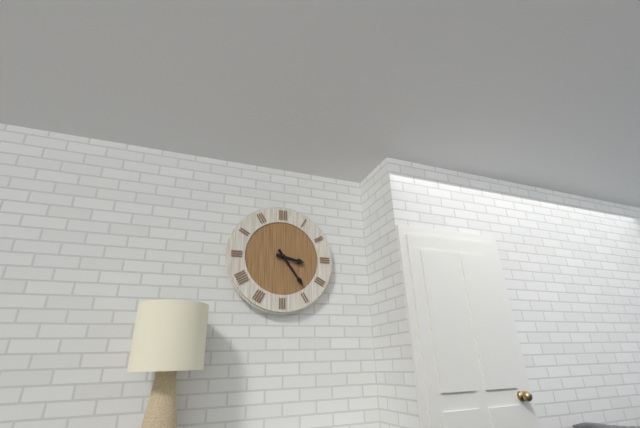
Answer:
3:24
